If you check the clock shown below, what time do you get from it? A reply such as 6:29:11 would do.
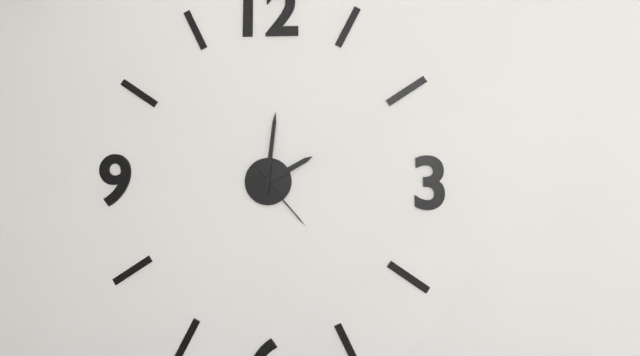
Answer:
2:01:23
